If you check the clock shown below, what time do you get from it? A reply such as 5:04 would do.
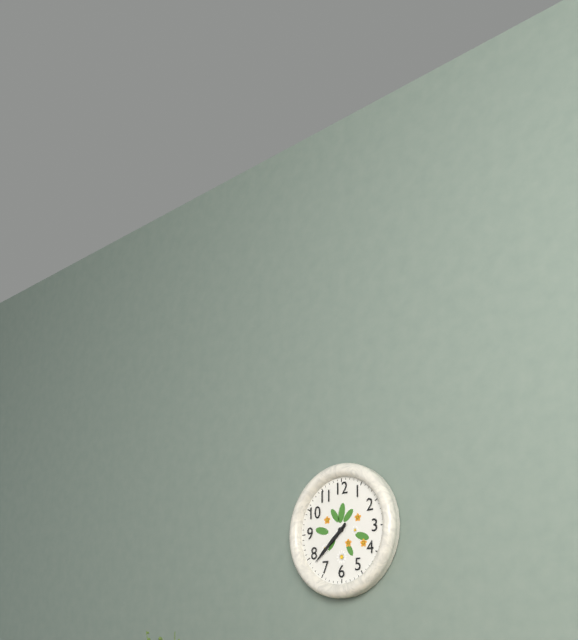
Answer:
7:38
